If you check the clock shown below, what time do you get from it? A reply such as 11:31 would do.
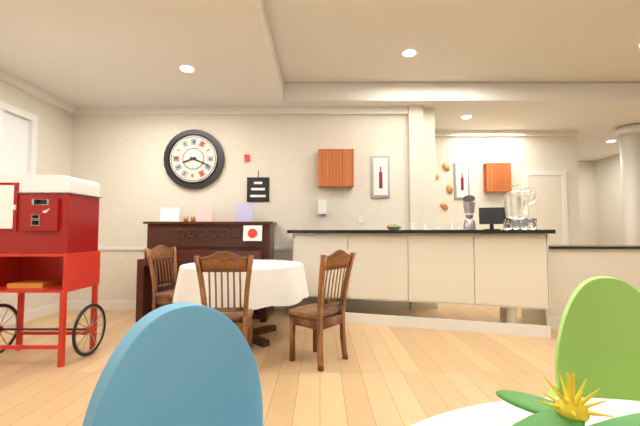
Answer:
8:19
